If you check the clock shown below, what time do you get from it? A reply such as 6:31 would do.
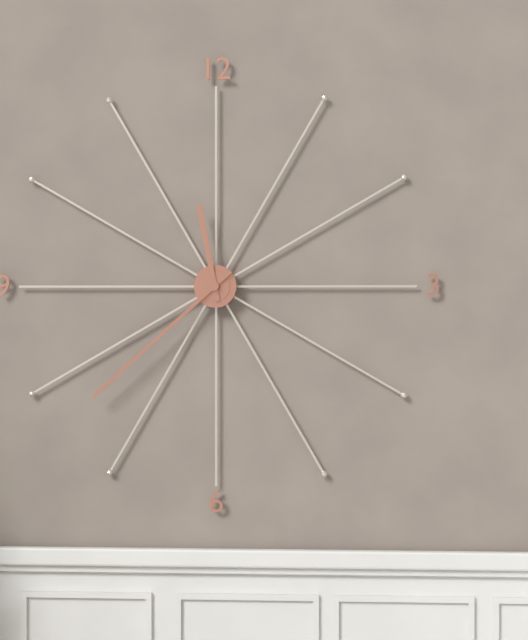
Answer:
11:38
